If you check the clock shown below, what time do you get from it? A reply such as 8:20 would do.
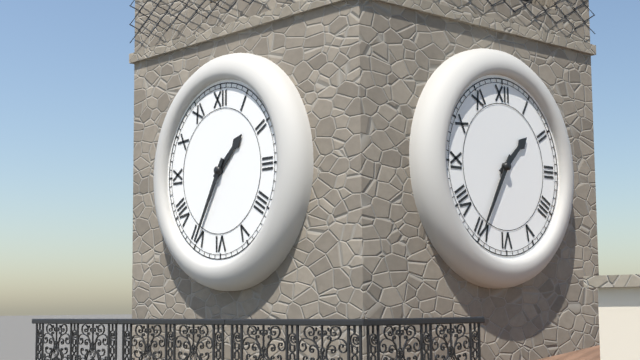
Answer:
1:35
